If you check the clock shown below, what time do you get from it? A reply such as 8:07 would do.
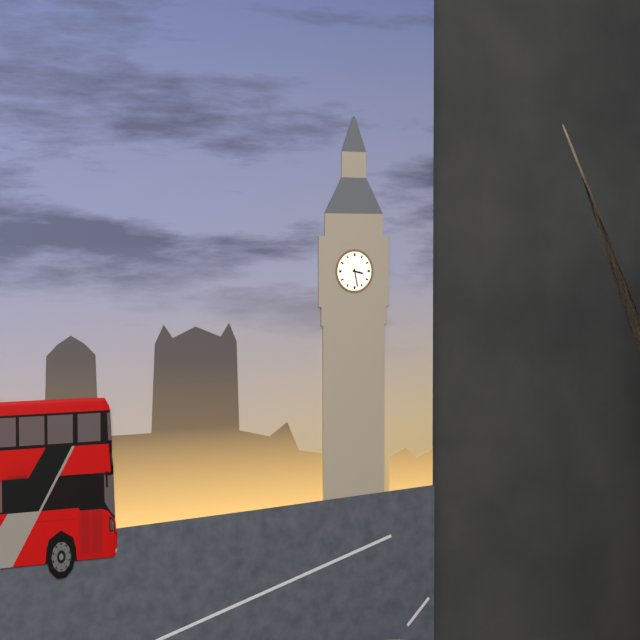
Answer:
3:28
